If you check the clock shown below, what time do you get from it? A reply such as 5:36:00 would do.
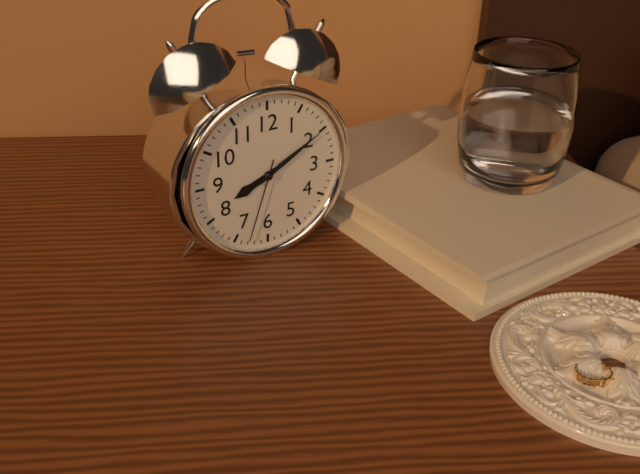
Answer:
8:10:33
